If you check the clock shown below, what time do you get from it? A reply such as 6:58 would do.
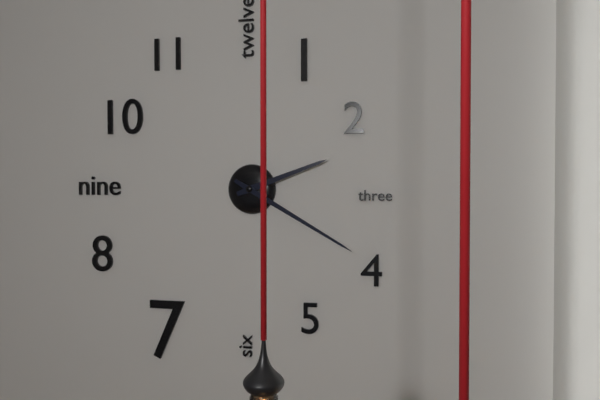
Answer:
2:20
